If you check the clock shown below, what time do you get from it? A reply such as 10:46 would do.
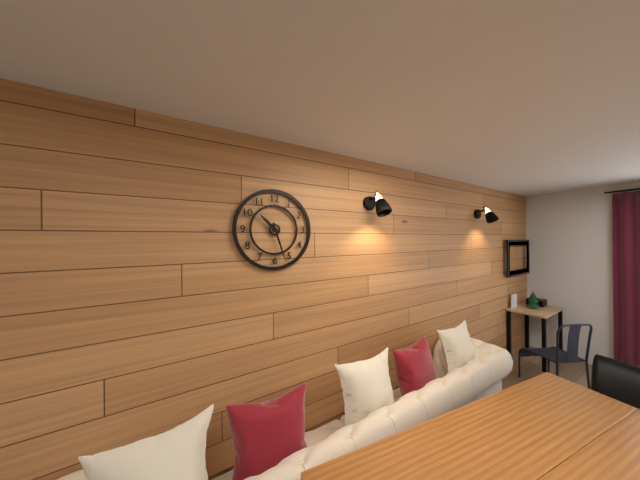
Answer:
10:27
